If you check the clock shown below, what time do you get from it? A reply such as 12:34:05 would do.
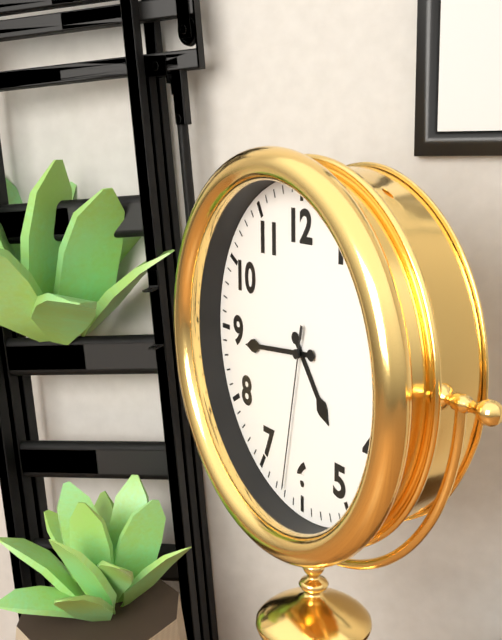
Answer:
4:44:32
